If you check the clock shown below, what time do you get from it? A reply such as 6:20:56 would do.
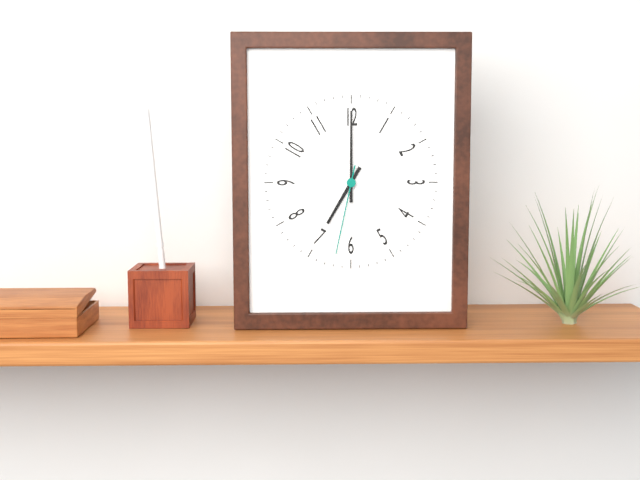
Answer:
7:00:32
